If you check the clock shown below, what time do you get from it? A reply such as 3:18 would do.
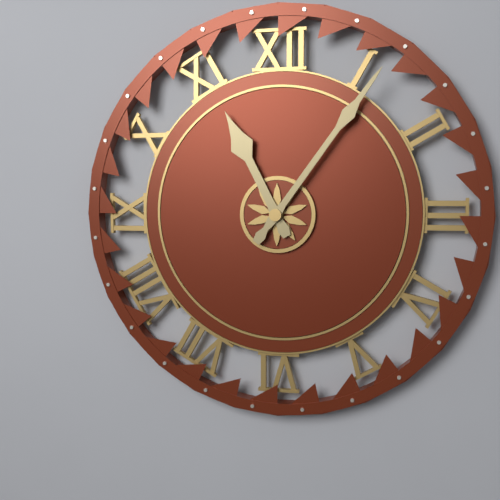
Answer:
11:06
